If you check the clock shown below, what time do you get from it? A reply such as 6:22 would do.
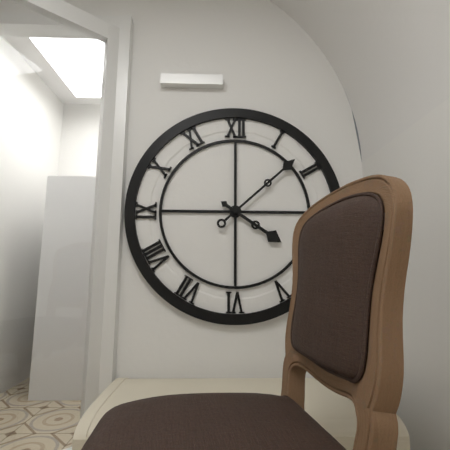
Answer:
4:08
